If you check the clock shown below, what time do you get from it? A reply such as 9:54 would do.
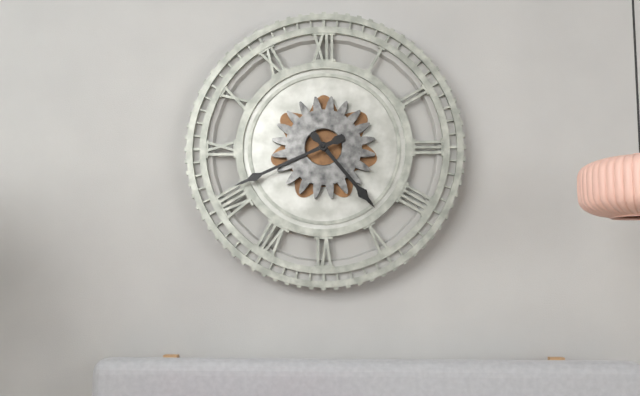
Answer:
4:41
